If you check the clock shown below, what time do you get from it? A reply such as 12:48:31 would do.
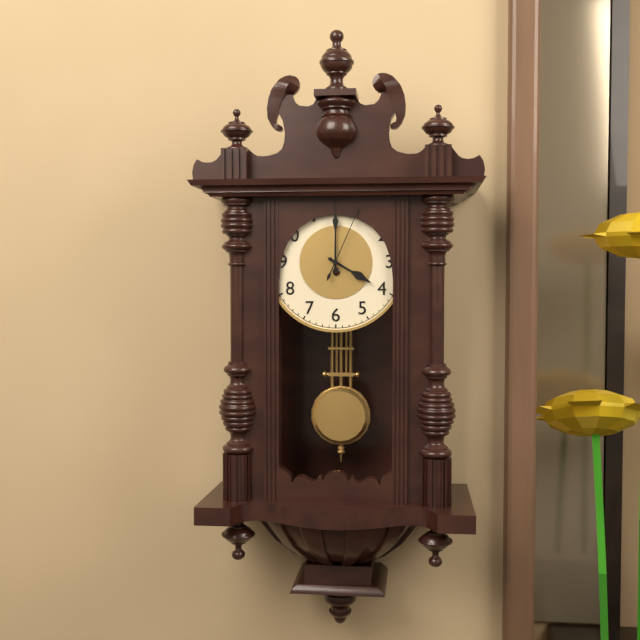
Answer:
4:00:04
